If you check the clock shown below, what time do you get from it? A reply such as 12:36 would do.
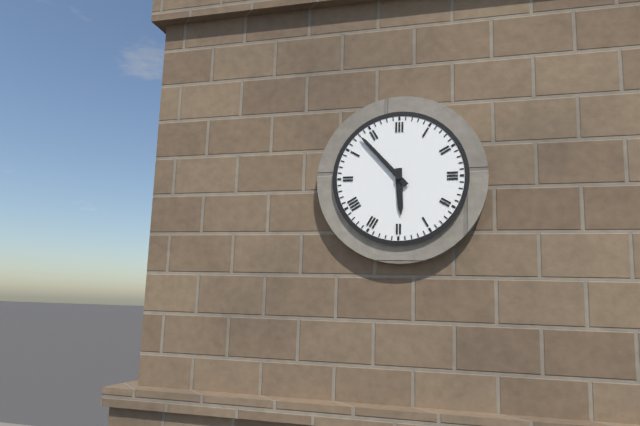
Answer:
5:53
